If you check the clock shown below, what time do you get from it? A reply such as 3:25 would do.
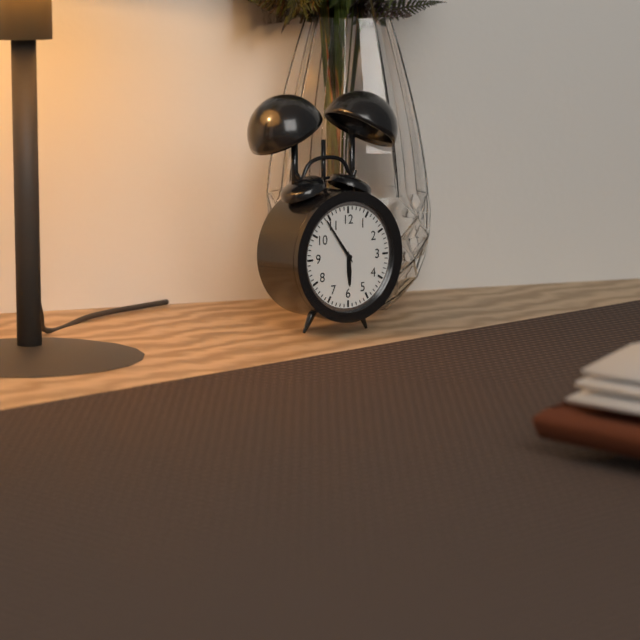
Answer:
5:54
